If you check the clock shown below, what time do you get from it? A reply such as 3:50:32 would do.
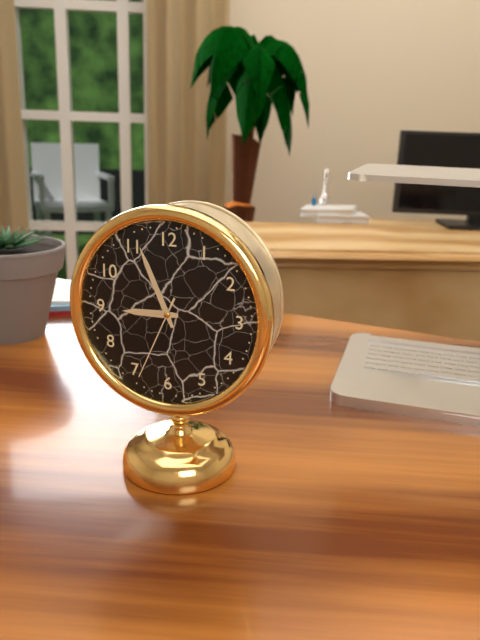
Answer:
8:56:34
